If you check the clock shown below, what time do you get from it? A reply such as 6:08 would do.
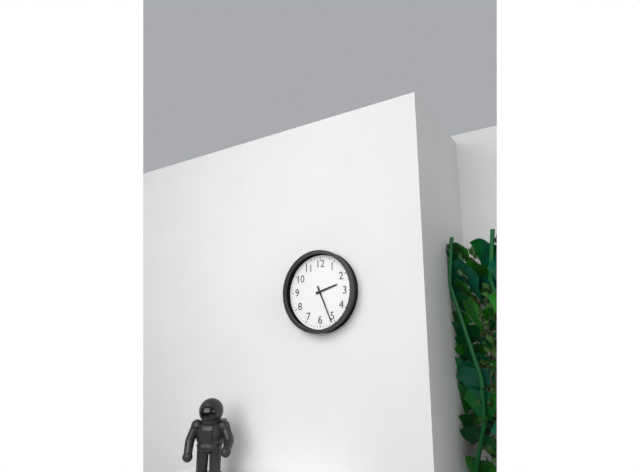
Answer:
2:26
